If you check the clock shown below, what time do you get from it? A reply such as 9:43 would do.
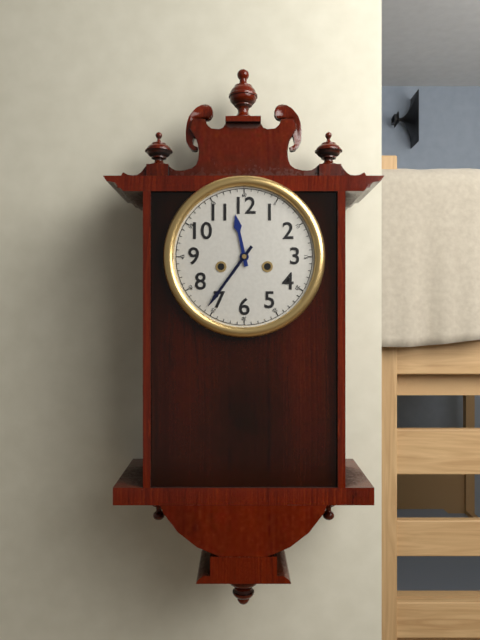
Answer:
11:36
